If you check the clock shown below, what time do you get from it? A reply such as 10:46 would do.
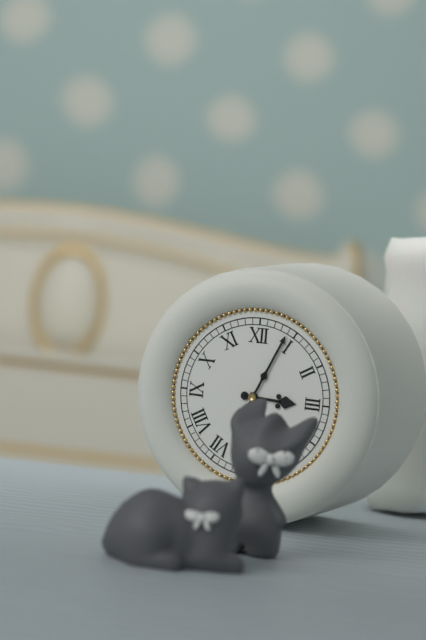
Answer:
3:04
